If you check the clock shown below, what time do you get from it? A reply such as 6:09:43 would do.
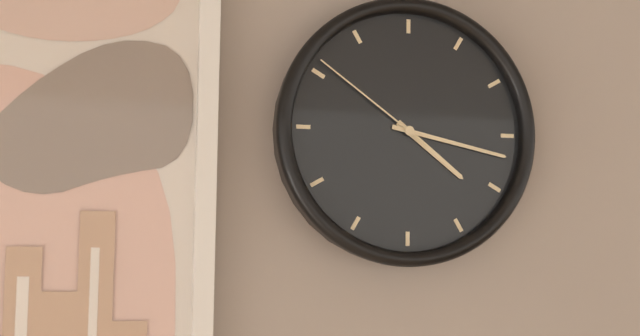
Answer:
4:17:51
